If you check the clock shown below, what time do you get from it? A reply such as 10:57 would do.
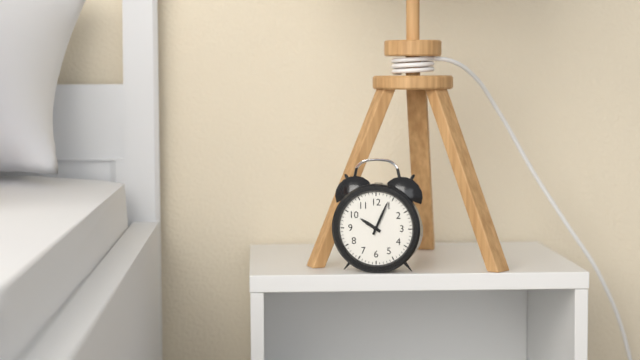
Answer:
10:04
